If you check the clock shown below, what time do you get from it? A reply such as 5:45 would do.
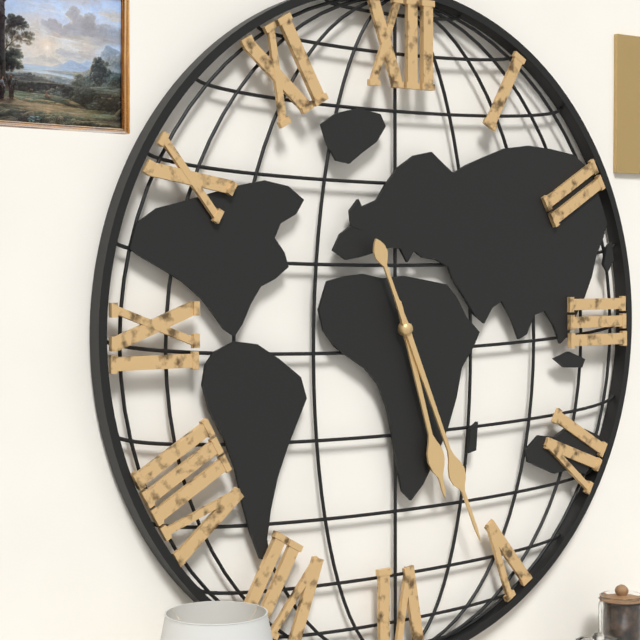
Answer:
5:26
